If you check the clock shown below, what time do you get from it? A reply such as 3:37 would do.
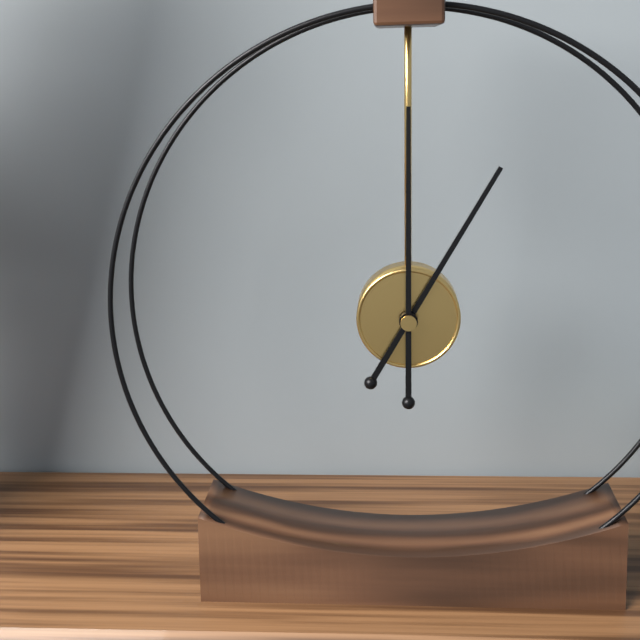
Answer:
1:00
